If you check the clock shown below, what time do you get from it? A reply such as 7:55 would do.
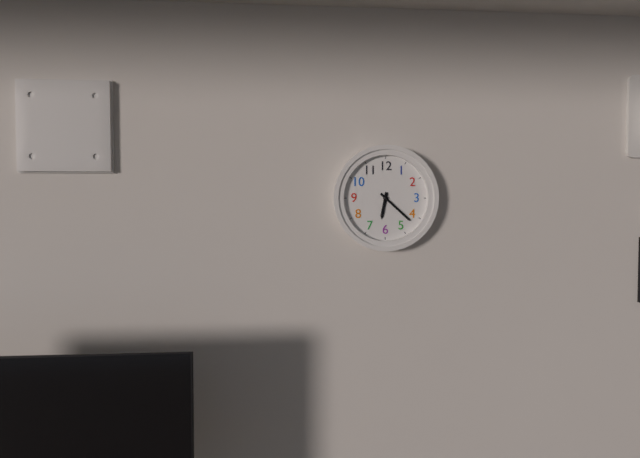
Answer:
6:22
